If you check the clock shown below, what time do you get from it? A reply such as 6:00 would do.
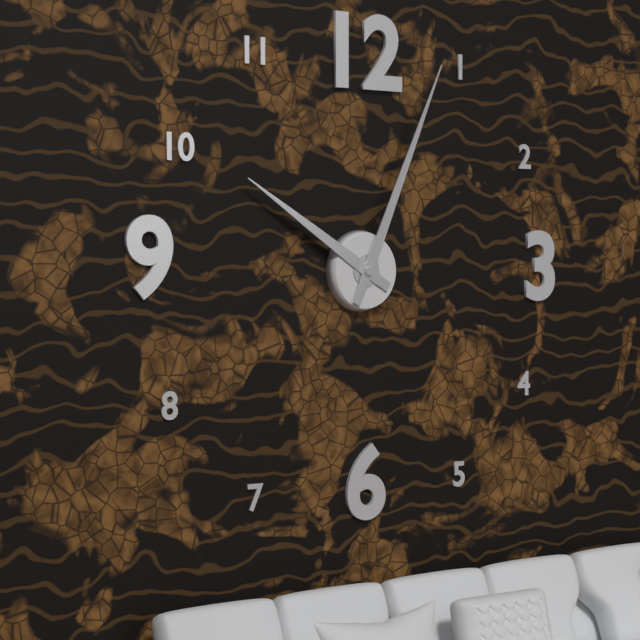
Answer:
10:04
